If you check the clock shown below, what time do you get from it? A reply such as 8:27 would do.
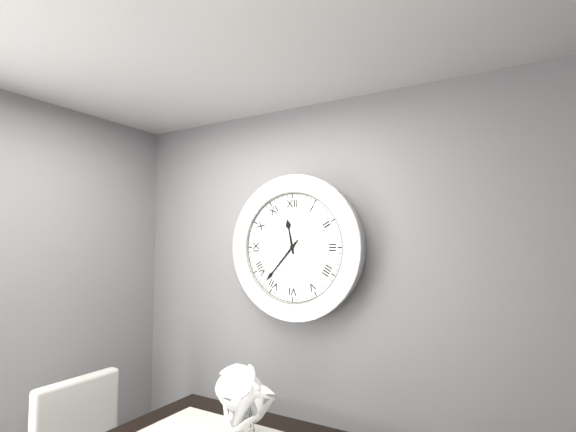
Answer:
11:37
